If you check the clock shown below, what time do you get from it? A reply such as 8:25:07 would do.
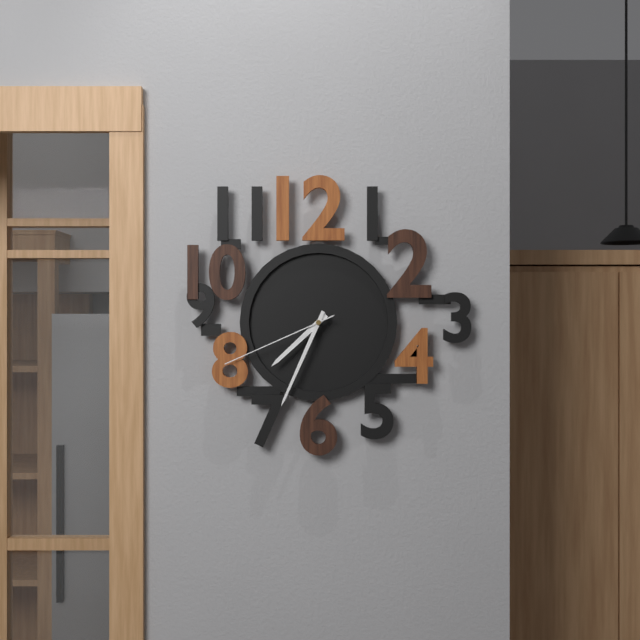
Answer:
7:34:41
